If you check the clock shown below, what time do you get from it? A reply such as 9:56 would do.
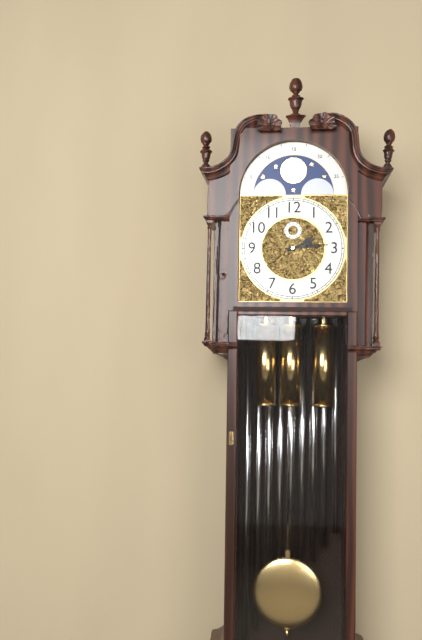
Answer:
2:14
